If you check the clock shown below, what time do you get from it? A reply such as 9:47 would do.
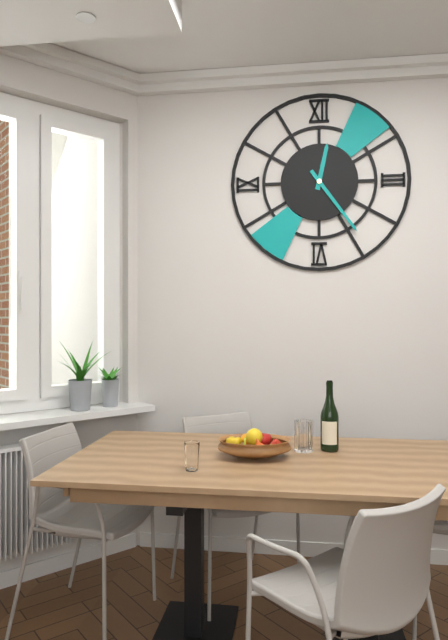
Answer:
12:24
